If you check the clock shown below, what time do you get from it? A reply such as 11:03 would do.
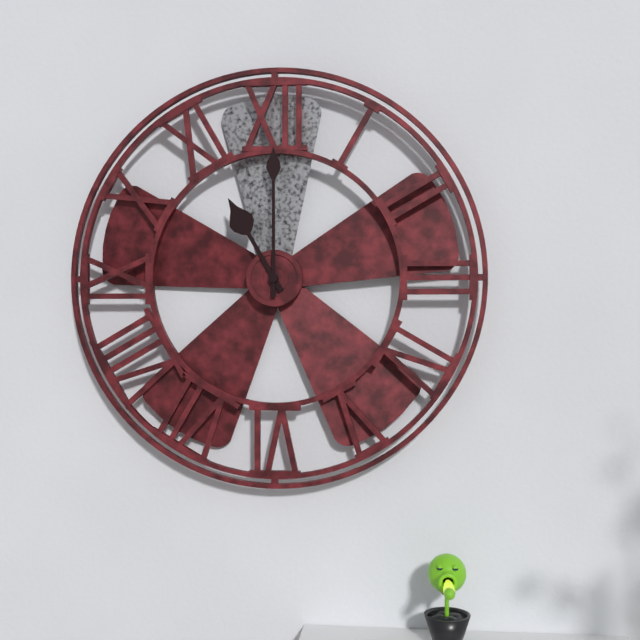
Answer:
11:00
